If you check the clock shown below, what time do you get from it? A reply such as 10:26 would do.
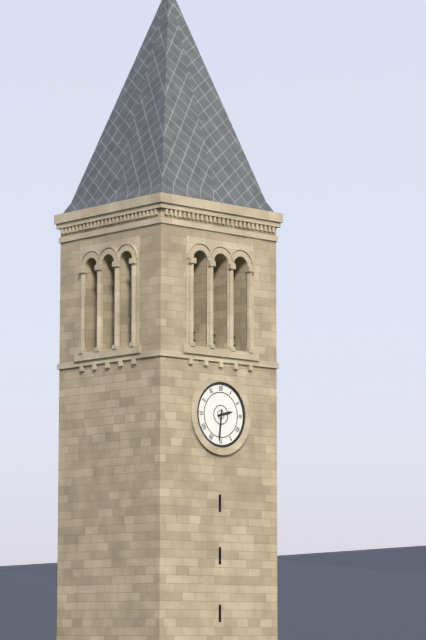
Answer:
2:31
